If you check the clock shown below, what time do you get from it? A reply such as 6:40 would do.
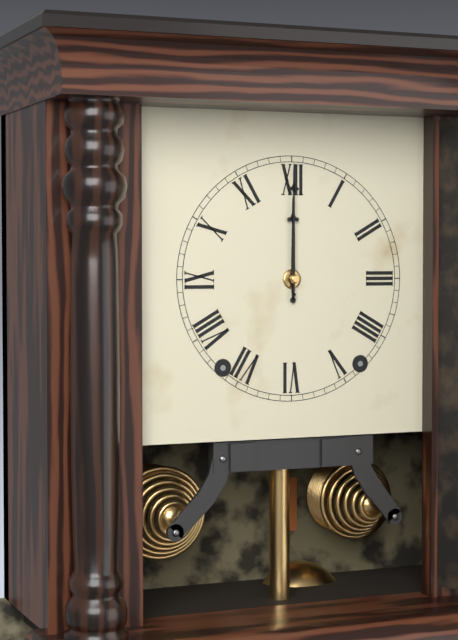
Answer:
12:00
